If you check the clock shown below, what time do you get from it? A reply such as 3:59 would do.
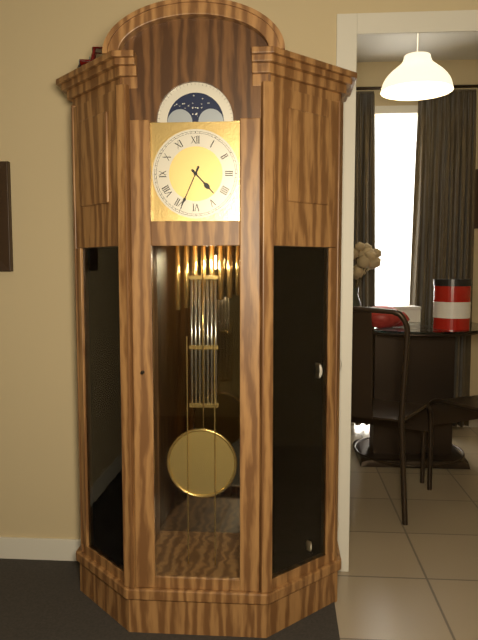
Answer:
4:34
